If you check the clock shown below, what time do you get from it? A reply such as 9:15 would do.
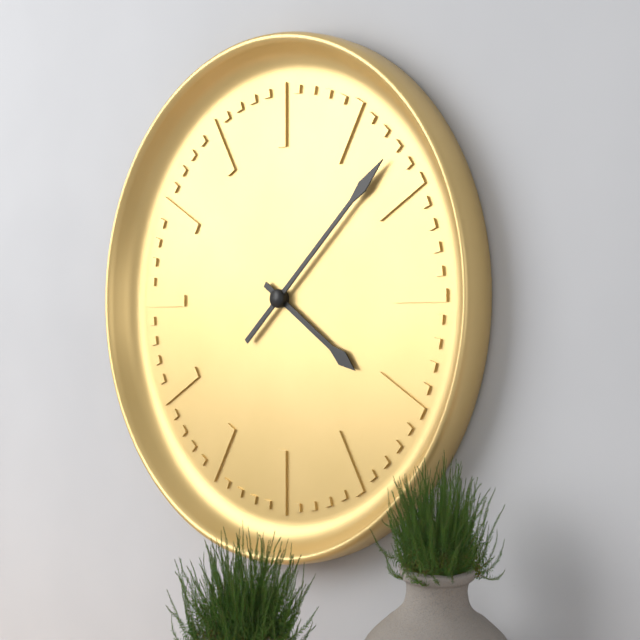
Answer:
4:08
